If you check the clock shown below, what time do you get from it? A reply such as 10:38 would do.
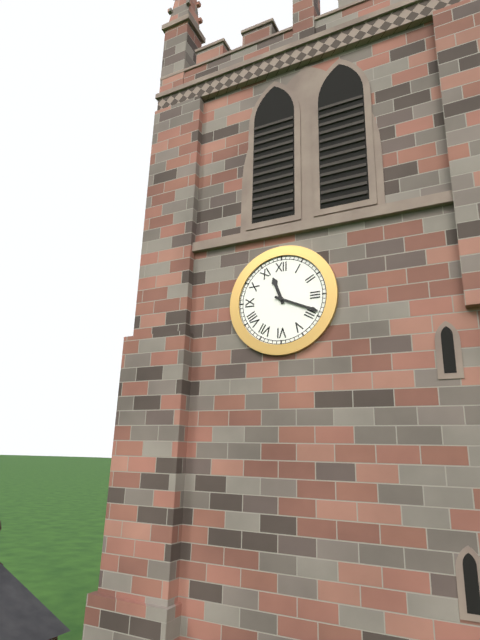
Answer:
11:19
